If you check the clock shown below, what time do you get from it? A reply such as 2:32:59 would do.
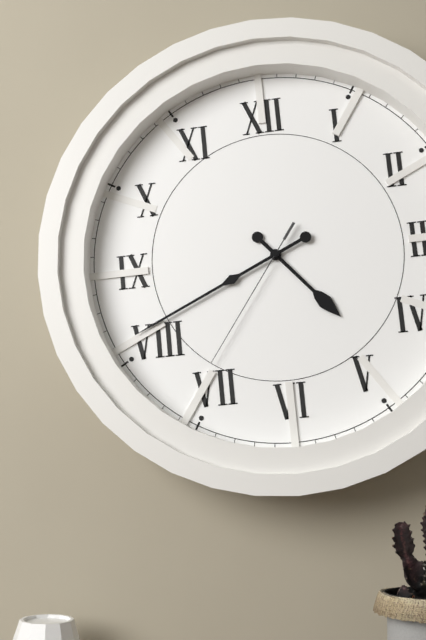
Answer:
4:41:36
